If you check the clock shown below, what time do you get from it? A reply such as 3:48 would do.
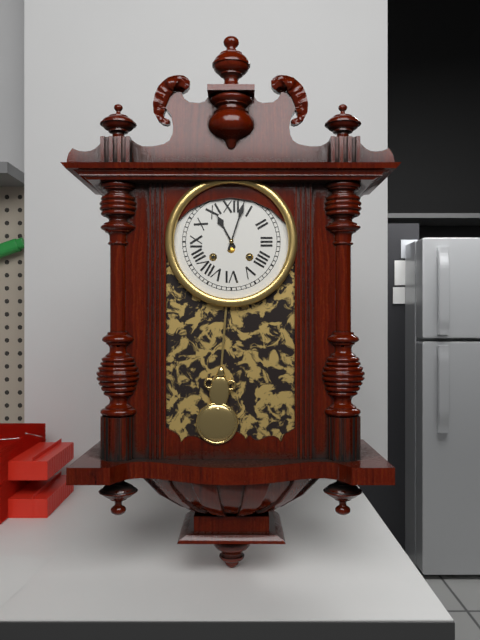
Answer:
11:03
